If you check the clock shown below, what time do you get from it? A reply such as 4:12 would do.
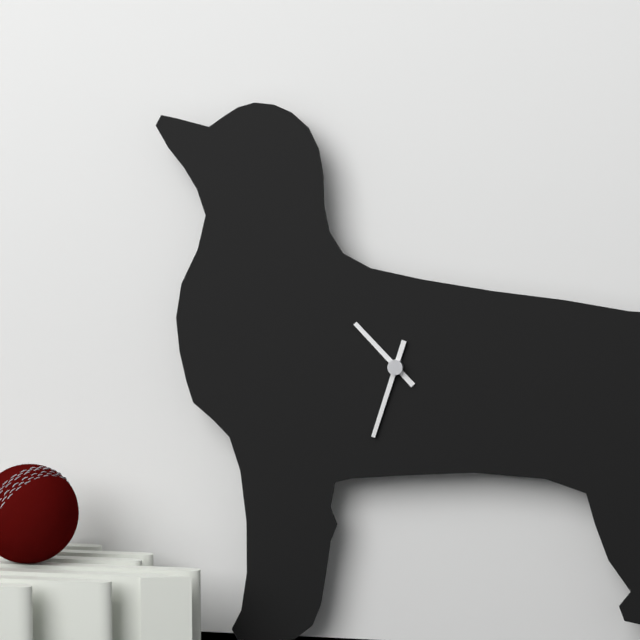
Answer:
10:33
